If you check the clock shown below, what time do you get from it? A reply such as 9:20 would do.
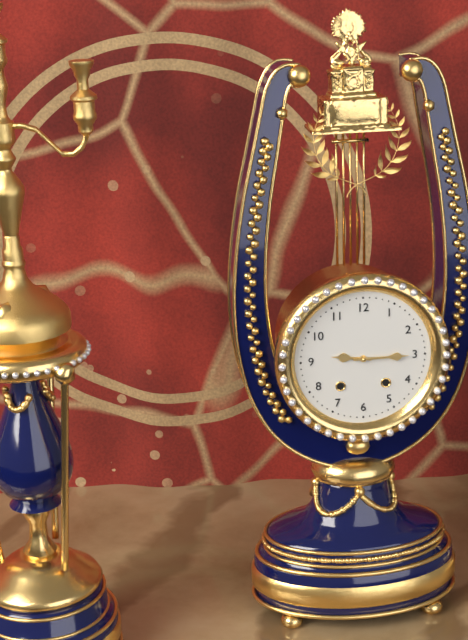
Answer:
9:15
